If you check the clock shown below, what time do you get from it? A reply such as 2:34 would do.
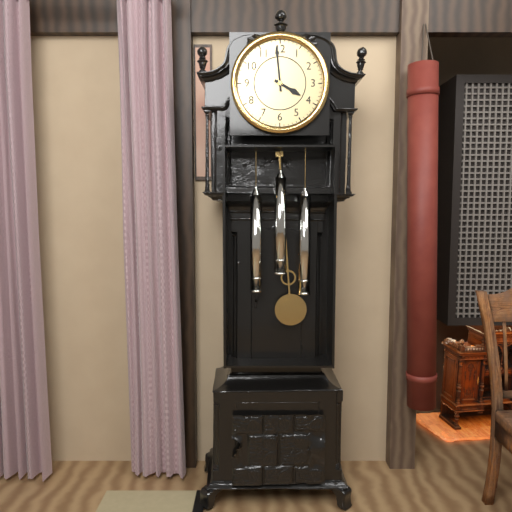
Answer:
3:59
